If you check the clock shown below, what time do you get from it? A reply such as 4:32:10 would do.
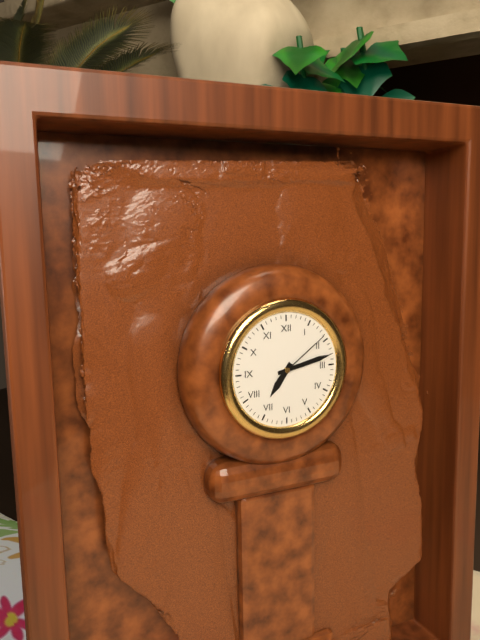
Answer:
7:13:09
